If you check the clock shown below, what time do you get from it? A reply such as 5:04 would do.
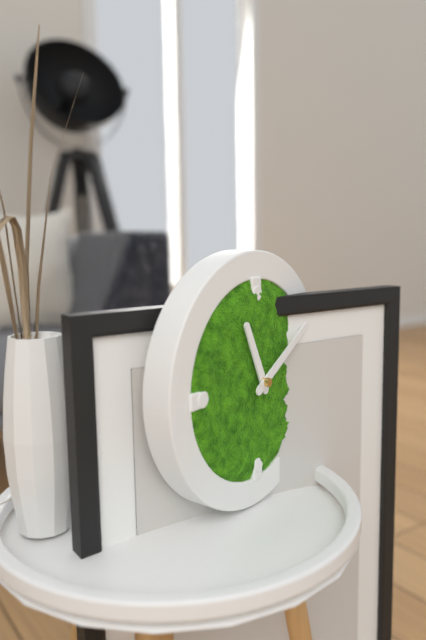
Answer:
11:10
